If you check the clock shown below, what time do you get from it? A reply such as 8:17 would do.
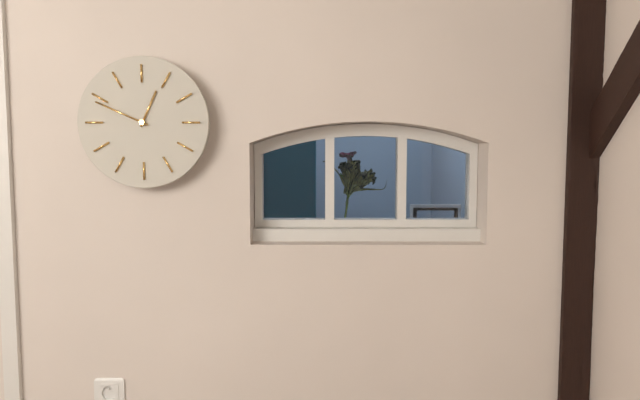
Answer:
12:49
